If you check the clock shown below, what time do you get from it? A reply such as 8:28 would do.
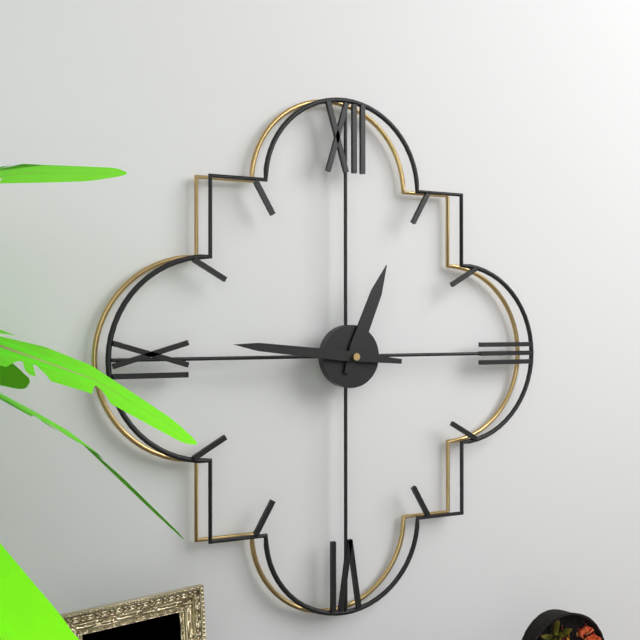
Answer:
12:46
